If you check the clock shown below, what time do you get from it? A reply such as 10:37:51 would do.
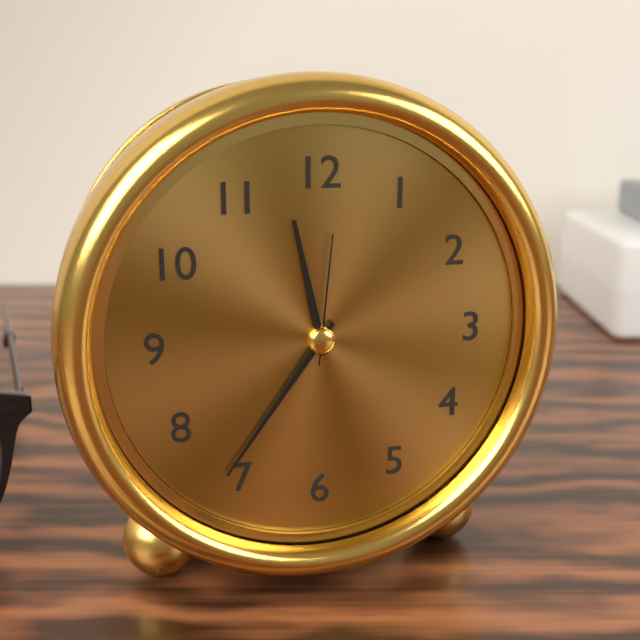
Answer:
11:36:01
